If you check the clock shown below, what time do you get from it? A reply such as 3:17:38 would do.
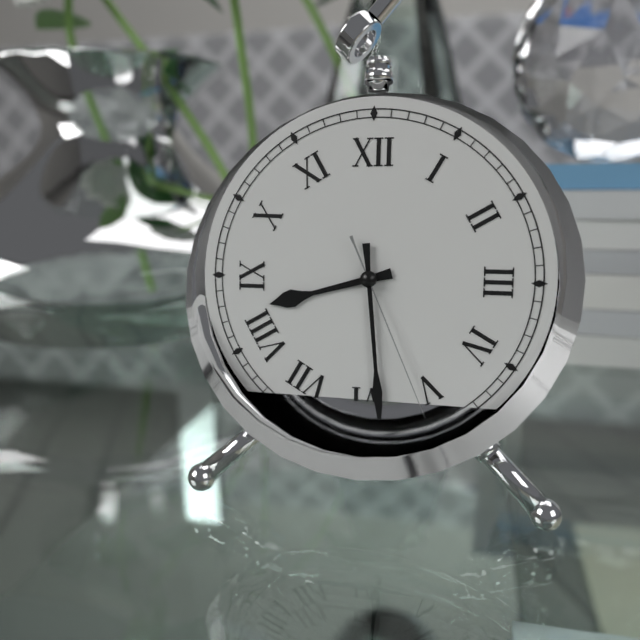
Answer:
8:29:26
